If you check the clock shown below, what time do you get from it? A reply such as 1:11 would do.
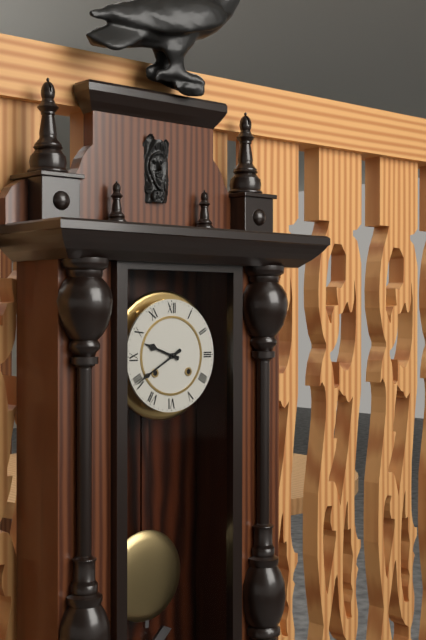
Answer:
9:40
